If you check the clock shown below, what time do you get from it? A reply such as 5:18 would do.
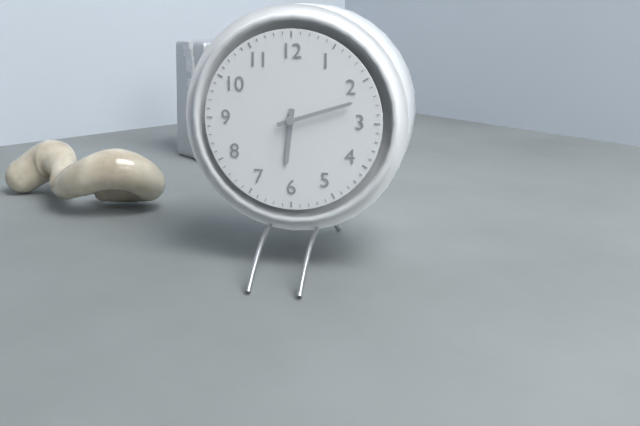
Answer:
6:12
